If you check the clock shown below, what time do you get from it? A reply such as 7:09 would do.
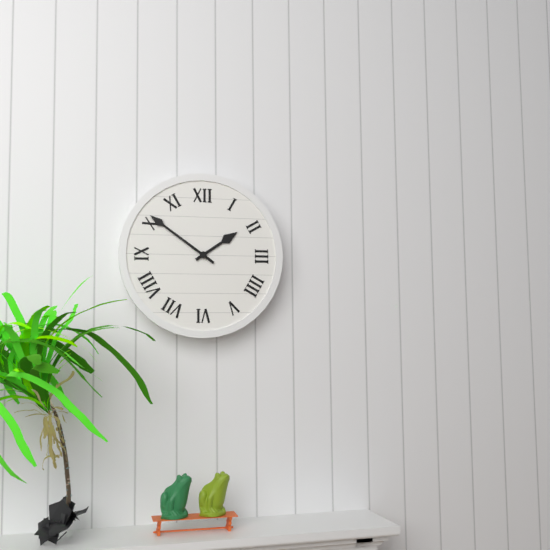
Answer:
1:51
